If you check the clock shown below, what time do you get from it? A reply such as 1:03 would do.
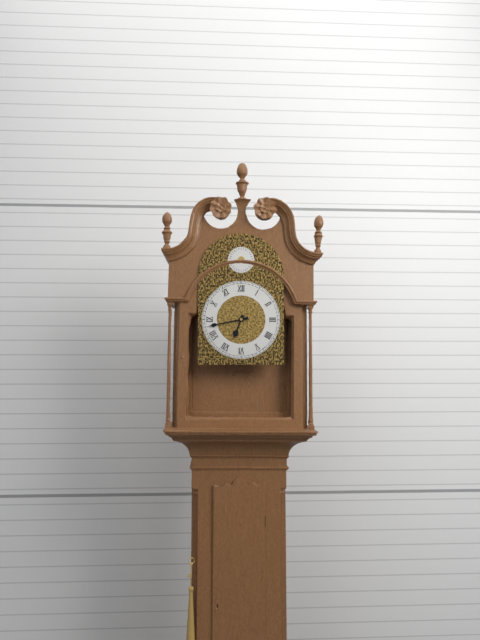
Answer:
6:43
